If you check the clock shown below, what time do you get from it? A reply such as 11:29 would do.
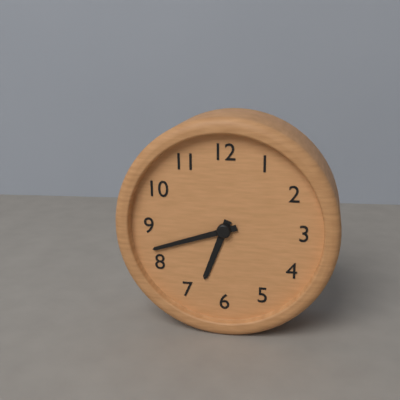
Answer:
6:42
